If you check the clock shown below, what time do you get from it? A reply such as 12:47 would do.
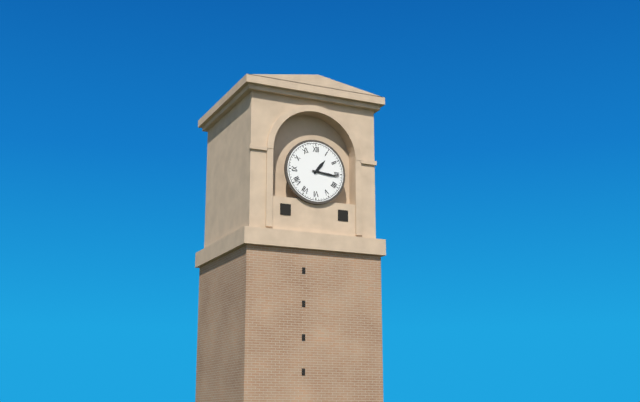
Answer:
1:16
